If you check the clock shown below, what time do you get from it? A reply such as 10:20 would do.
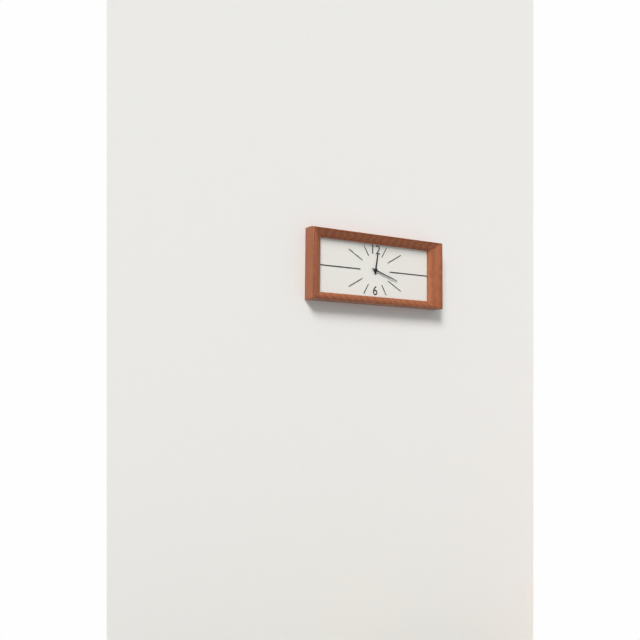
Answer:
12:18
